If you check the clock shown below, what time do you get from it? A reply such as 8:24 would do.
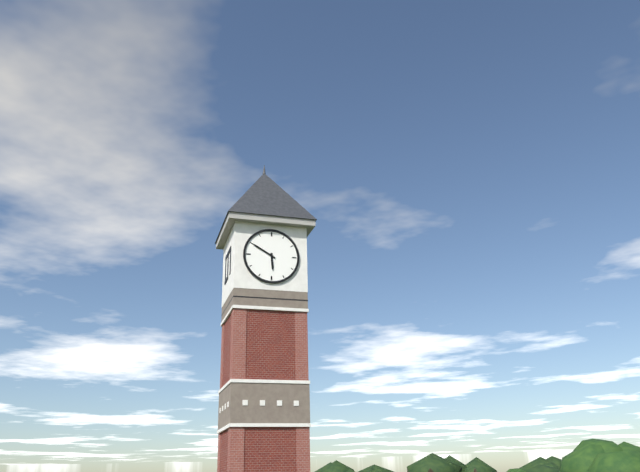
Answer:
5:50
